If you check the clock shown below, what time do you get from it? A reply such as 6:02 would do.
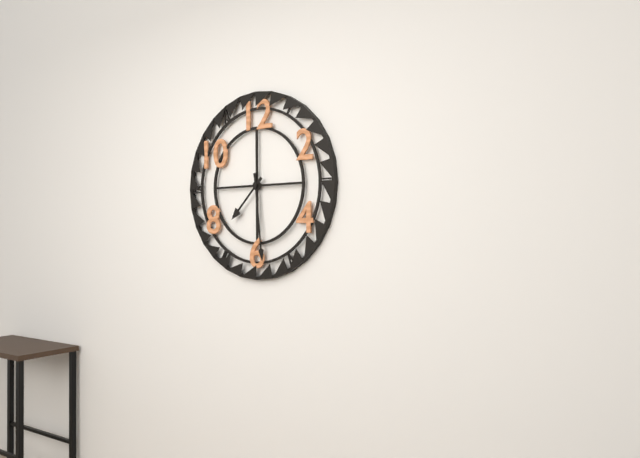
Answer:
7:29
